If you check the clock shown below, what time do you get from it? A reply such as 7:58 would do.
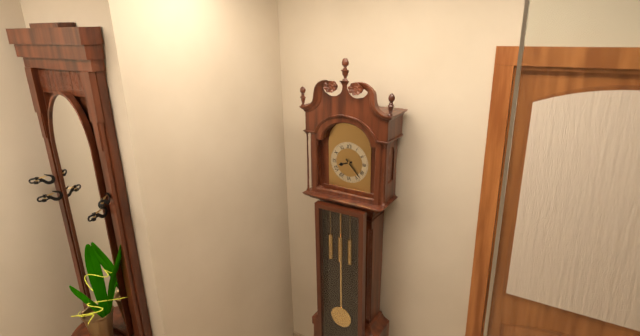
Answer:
8:23
